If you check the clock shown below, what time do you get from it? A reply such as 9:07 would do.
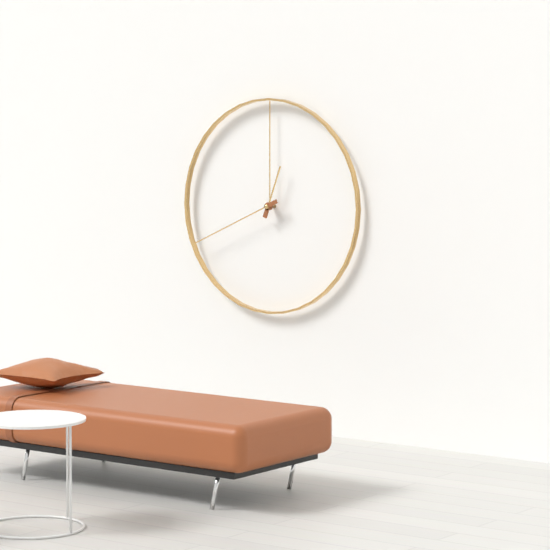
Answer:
12:41
